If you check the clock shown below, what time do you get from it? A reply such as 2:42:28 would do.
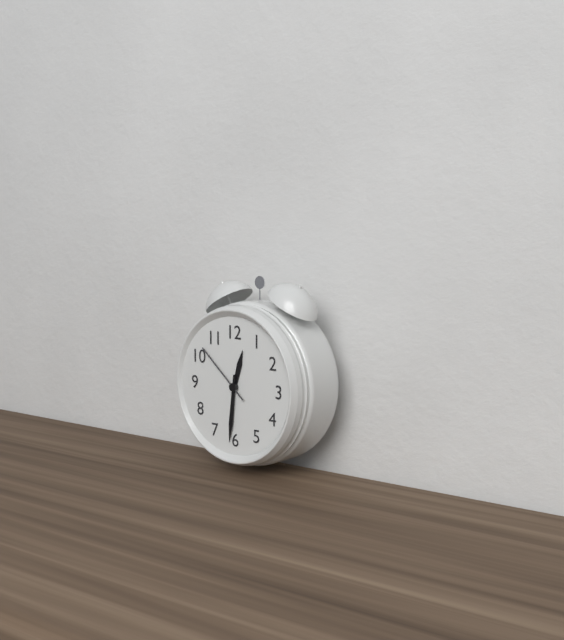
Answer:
12:31:52
